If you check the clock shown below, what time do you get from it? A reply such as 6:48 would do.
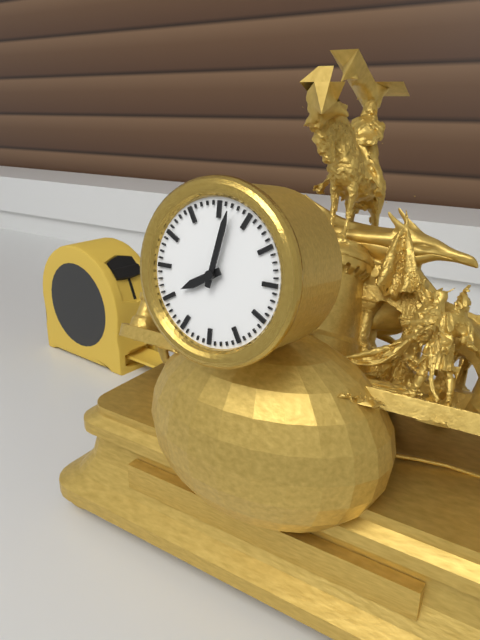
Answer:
8:02
